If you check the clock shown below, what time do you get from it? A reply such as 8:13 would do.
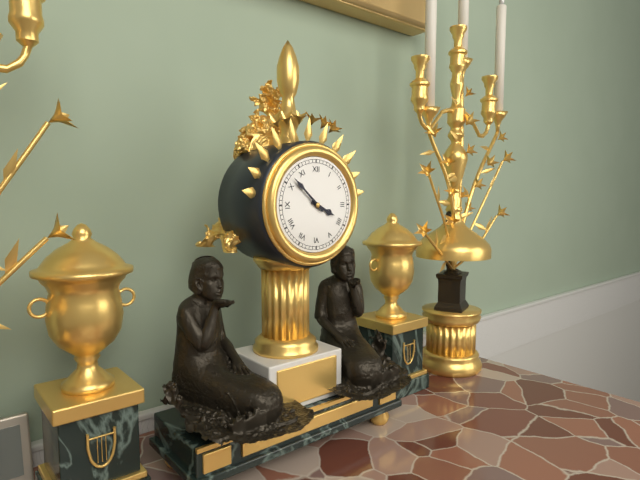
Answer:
3:52
